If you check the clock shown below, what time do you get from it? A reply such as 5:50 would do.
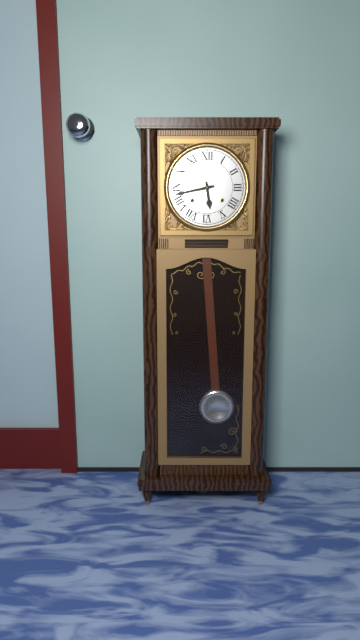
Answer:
5:43
